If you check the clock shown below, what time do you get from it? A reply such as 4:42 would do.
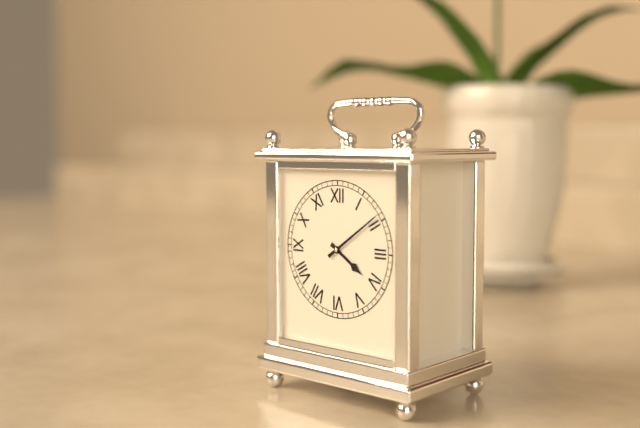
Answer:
4:09
